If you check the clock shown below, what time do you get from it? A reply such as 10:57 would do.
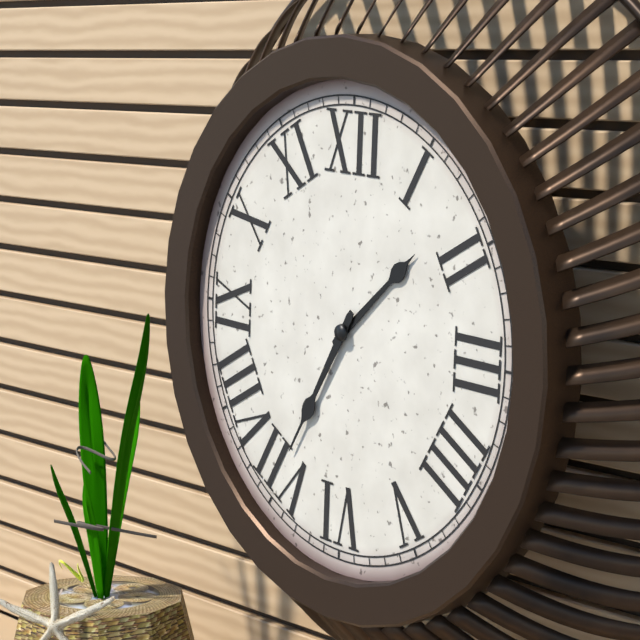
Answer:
1:35
